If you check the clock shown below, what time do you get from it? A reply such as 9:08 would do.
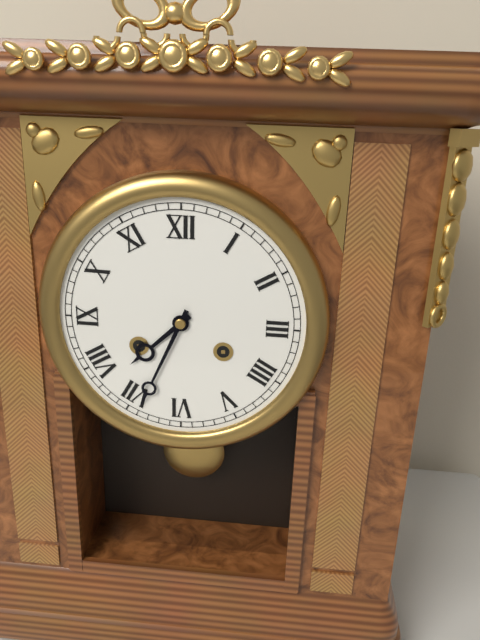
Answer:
7:34
